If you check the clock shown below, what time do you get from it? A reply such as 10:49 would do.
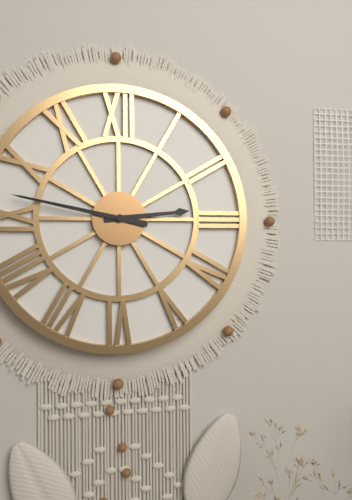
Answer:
2:47
